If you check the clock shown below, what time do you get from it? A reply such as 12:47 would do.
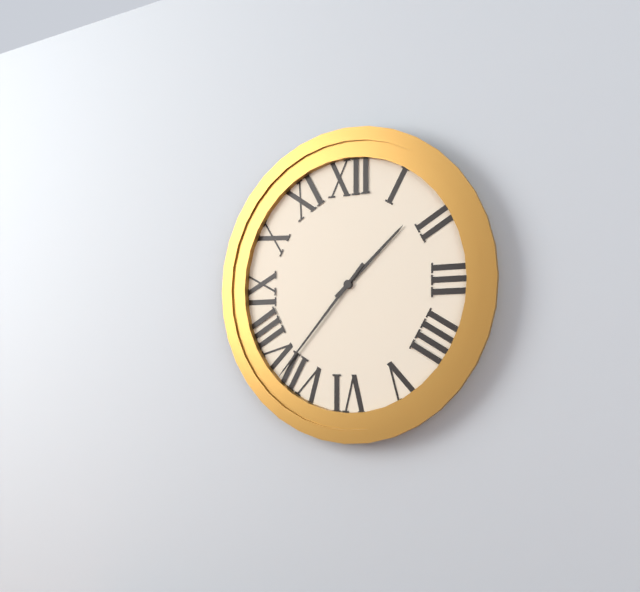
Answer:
1:37
